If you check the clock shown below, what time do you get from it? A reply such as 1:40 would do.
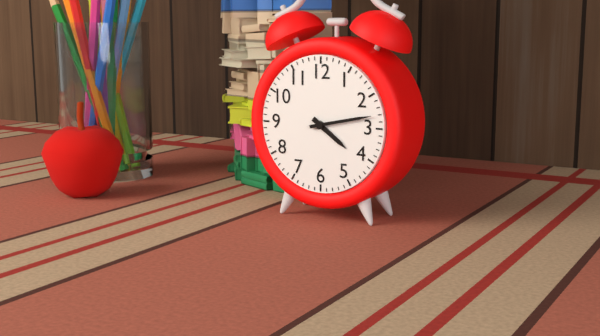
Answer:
4:13
